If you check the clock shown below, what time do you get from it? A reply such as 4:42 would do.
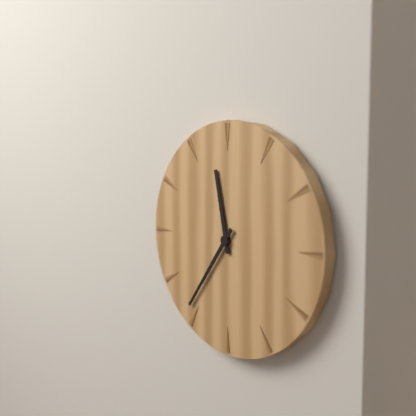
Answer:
11:36
